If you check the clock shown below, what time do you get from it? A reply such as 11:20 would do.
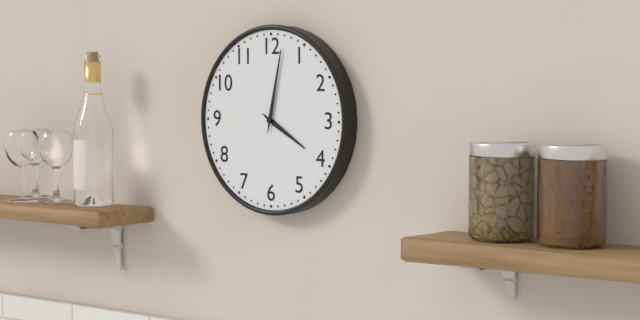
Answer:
4:02
